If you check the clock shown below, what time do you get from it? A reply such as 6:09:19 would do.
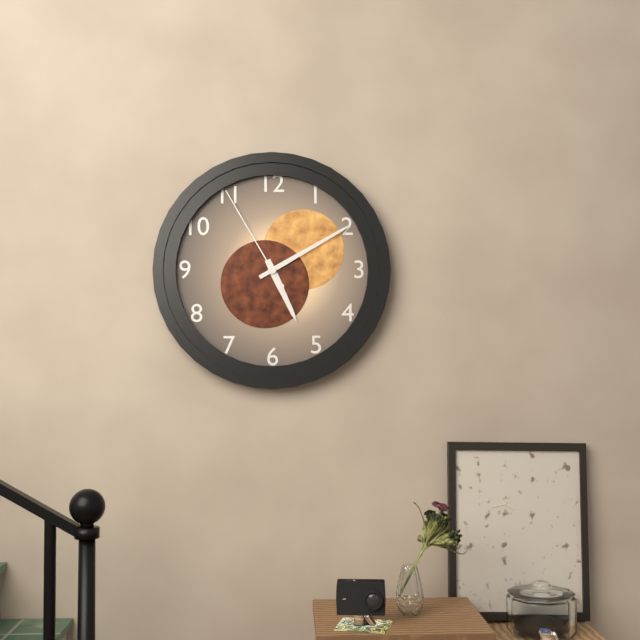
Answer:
5:10:55
